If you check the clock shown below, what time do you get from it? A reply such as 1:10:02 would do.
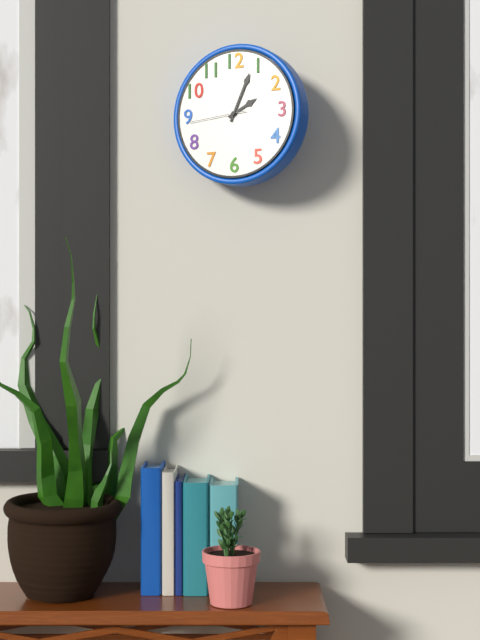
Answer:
2:04:44
